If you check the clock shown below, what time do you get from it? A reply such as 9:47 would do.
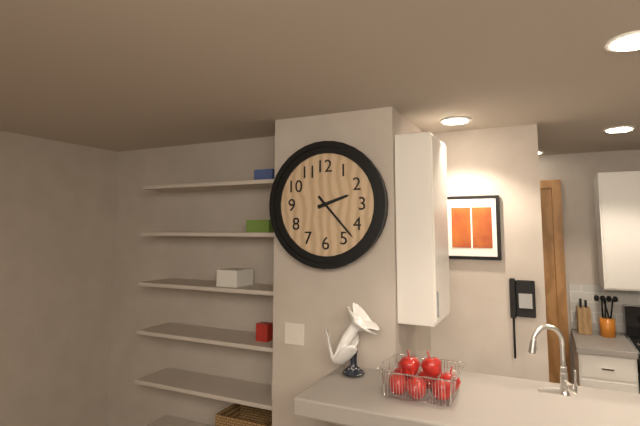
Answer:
2:23
